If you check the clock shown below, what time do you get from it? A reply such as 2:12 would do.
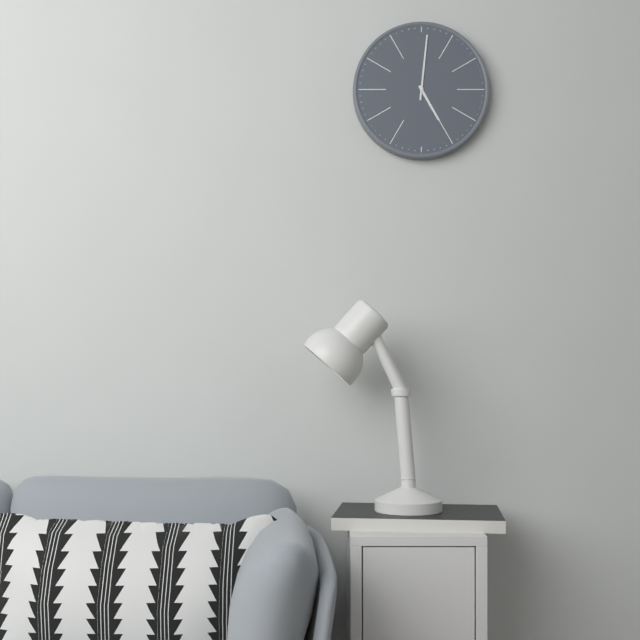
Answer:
5:01
